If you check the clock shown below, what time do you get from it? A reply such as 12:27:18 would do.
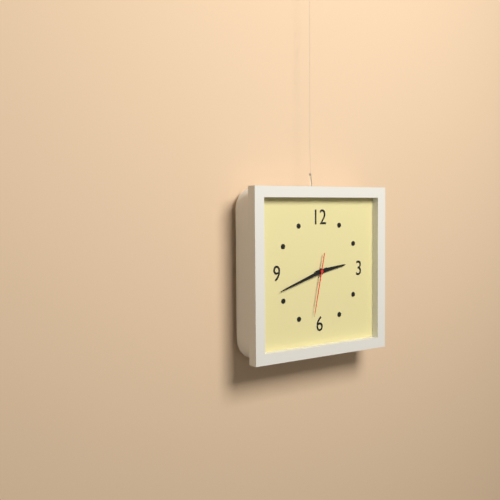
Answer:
2:42:32
